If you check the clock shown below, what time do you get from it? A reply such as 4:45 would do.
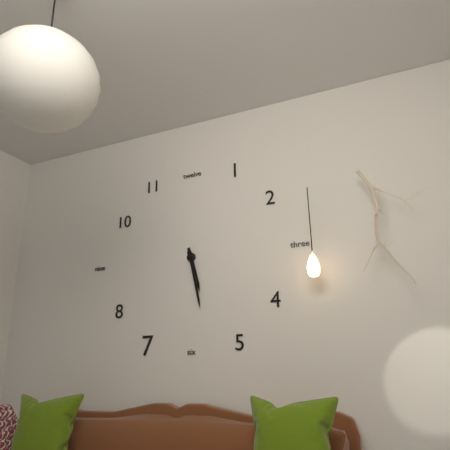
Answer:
5:28
